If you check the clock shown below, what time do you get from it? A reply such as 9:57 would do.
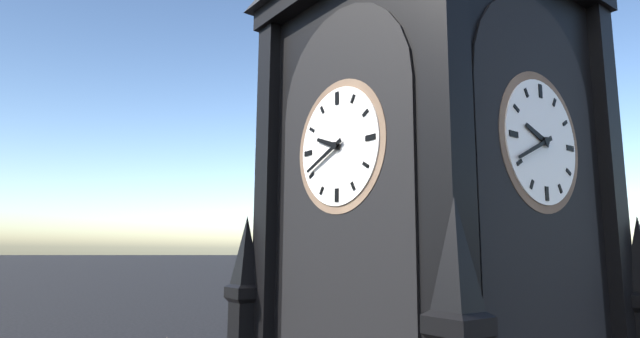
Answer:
9:41
